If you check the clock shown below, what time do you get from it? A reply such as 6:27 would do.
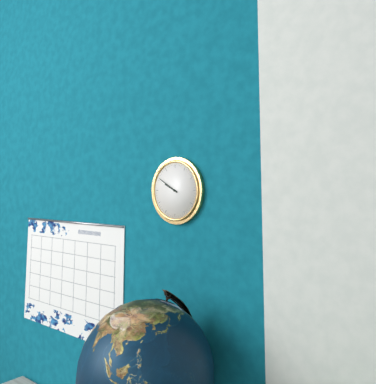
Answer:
9:50
